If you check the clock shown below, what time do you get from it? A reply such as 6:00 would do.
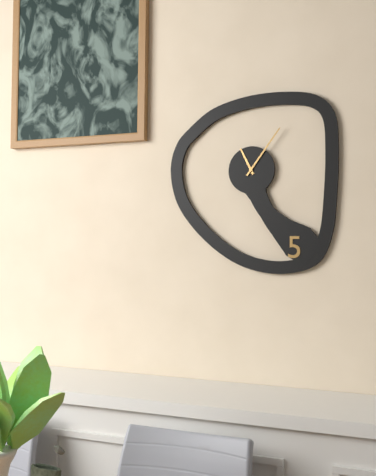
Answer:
11:06
